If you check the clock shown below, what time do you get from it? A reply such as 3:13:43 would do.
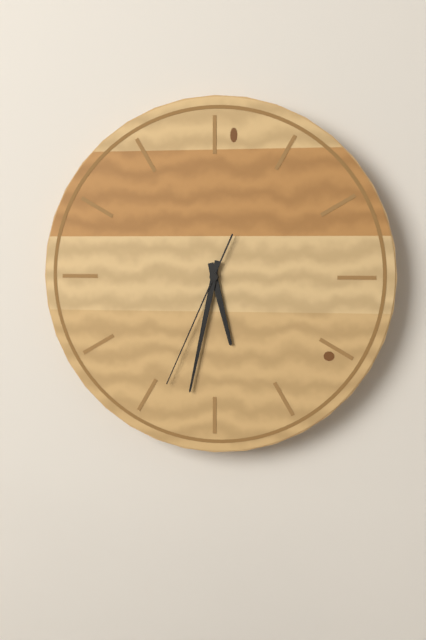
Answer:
5:32:34
